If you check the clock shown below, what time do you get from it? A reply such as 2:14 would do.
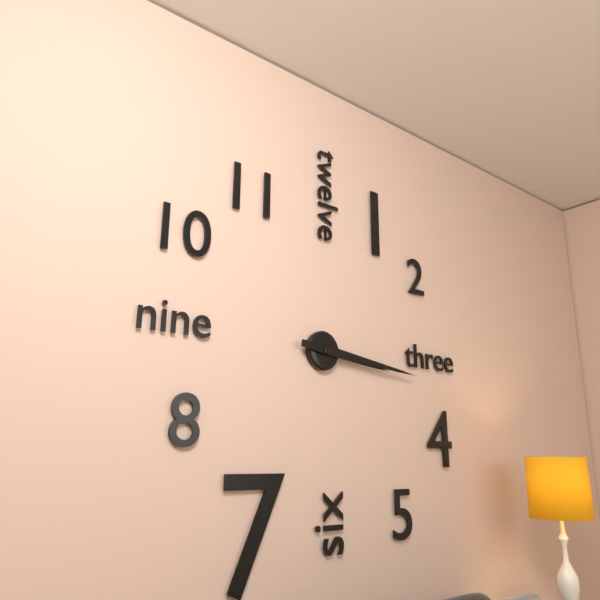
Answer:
3:16
